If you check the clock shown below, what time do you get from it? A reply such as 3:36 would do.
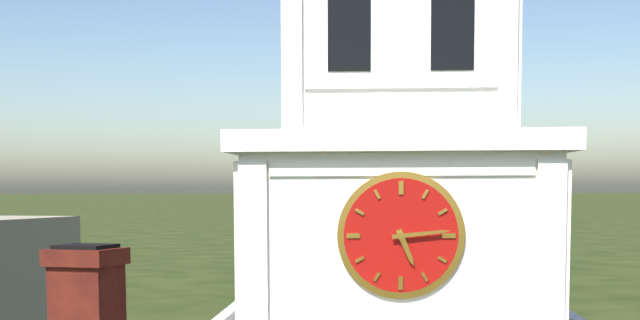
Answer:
5:14
